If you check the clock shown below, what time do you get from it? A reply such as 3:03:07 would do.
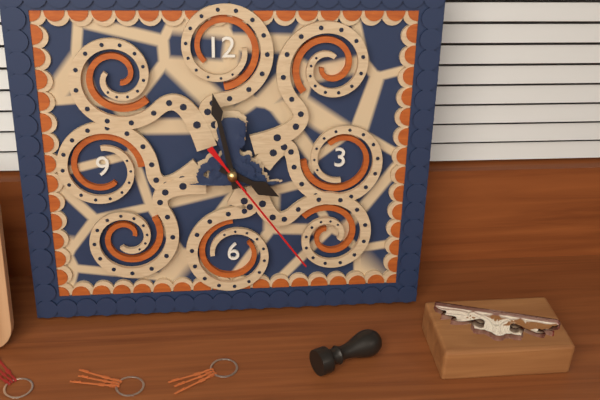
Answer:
3:58:24
